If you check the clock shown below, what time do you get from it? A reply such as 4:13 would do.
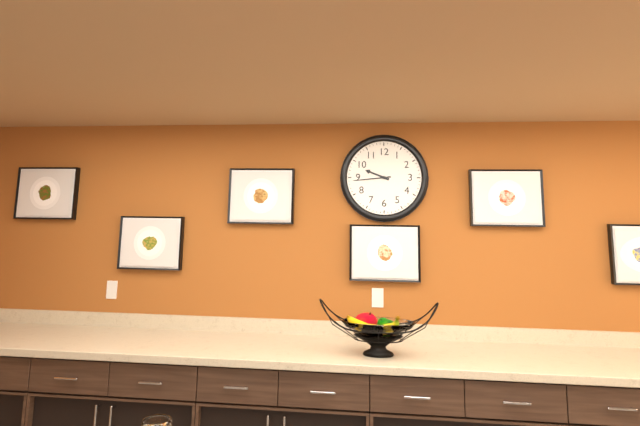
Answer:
9:44
